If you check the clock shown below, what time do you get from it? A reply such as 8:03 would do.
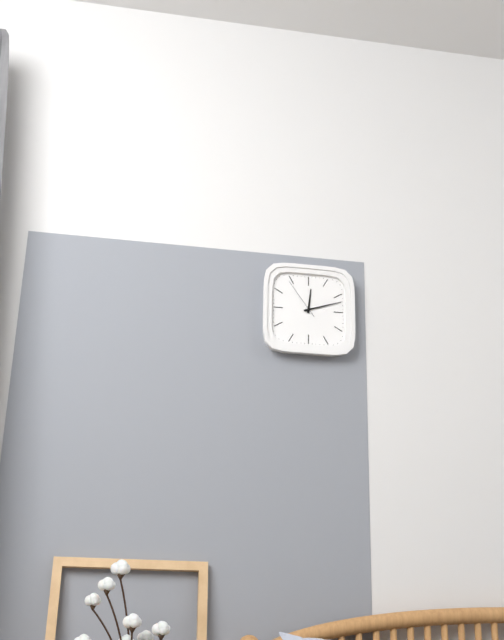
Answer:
12:12
